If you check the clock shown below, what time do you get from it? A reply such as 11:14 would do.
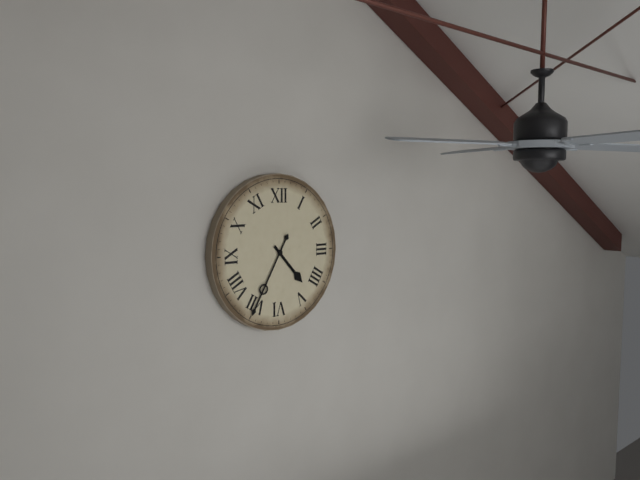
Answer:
4:35
